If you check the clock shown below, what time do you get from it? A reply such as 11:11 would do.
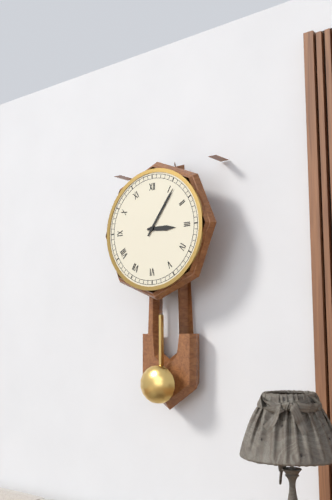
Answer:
3:06
